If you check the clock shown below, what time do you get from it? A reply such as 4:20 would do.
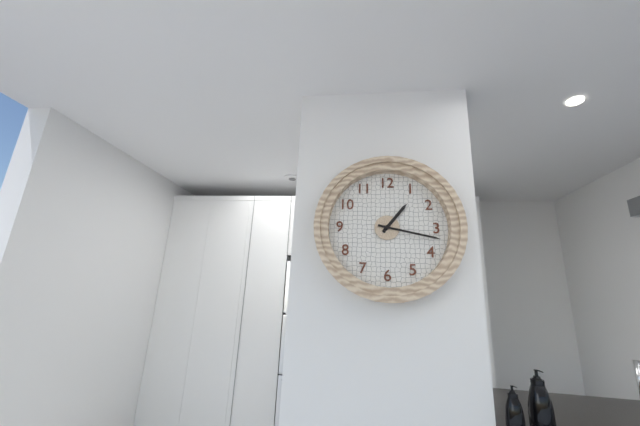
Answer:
1:17
